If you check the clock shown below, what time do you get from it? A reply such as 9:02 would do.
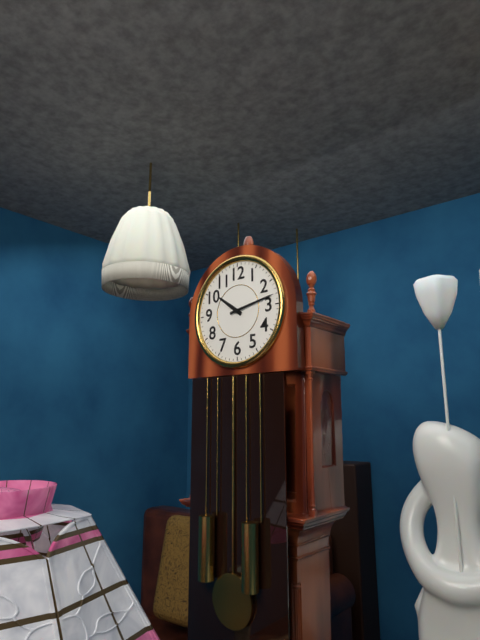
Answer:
10:13
